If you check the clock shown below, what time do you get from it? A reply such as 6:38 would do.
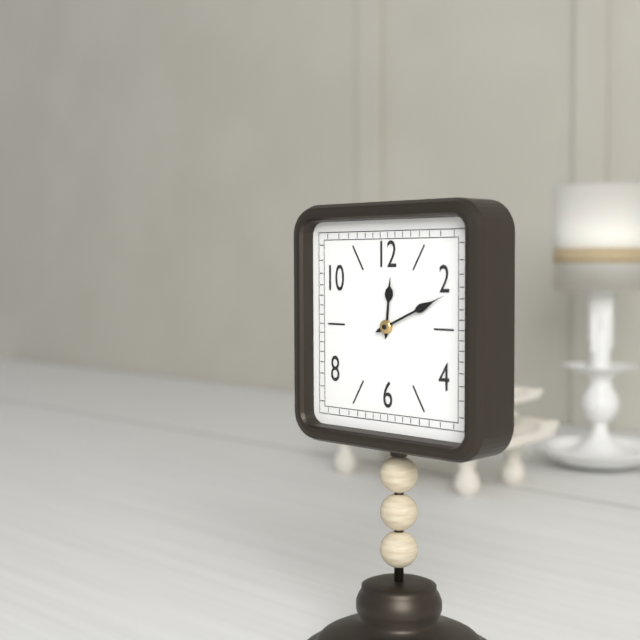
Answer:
12:11
